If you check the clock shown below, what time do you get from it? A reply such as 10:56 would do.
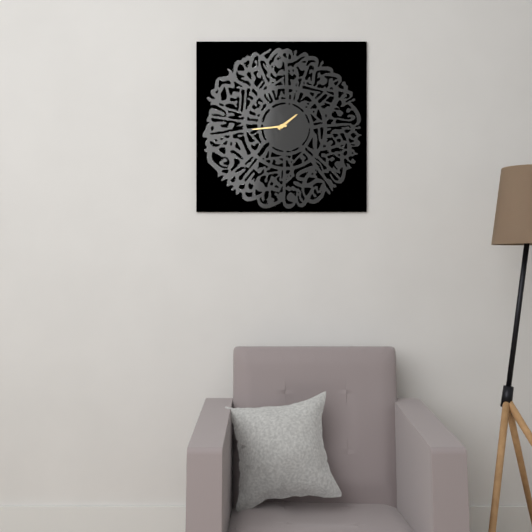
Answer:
1:44
